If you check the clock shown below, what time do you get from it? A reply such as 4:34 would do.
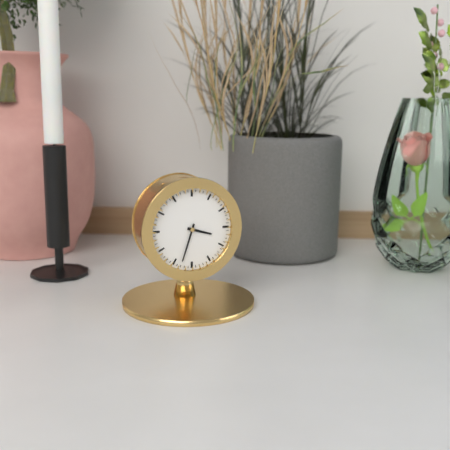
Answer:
3:33
